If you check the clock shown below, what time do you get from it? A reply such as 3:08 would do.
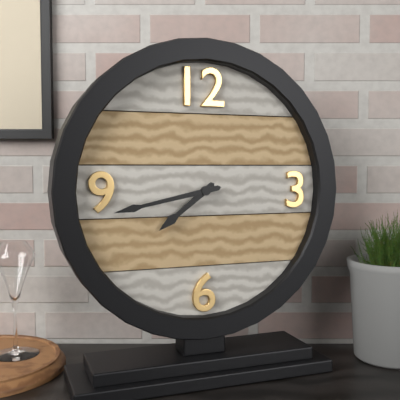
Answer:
7:43
